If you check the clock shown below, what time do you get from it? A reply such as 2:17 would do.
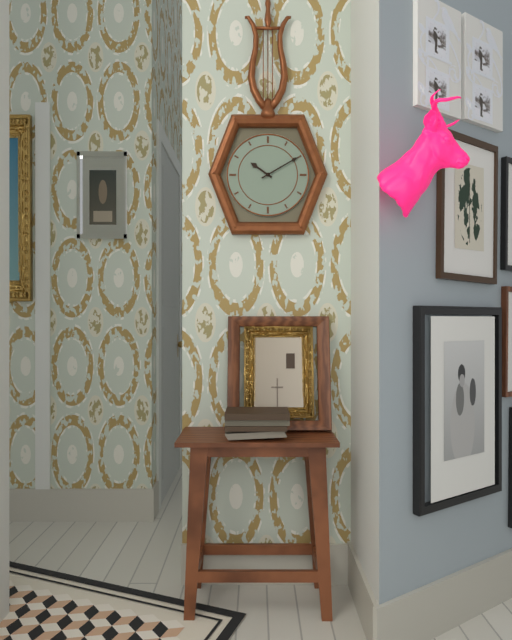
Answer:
10:10
